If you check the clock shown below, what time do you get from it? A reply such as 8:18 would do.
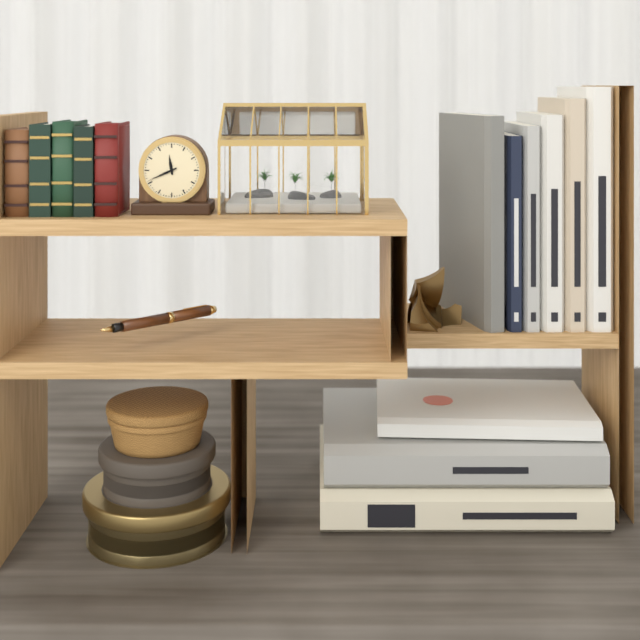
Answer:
11:41
